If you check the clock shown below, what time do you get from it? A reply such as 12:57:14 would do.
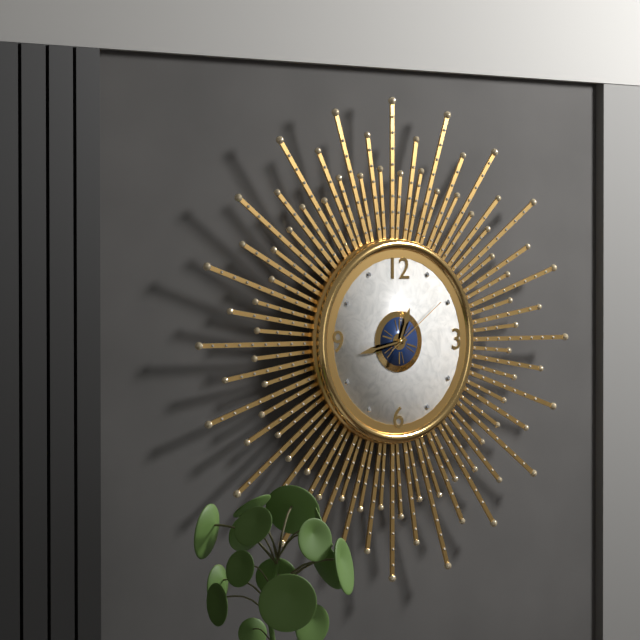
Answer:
12:43:09
